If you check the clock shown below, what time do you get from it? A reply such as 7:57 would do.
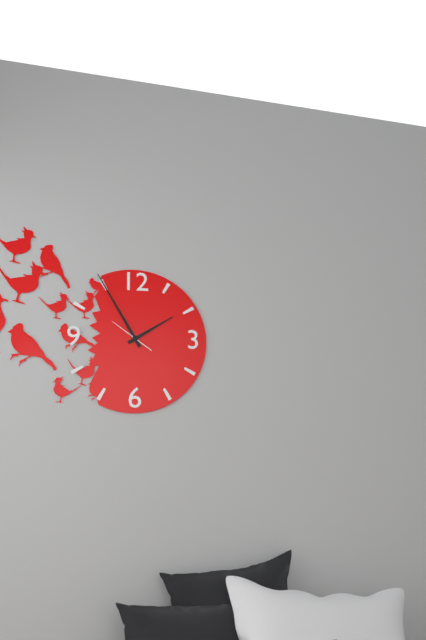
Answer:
1:55
